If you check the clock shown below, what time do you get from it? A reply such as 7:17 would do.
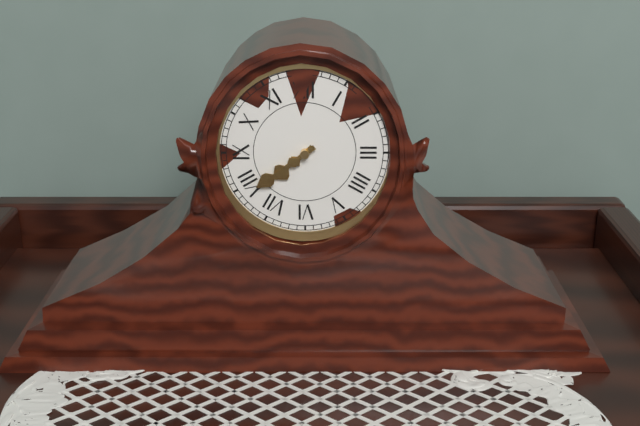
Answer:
7:39
